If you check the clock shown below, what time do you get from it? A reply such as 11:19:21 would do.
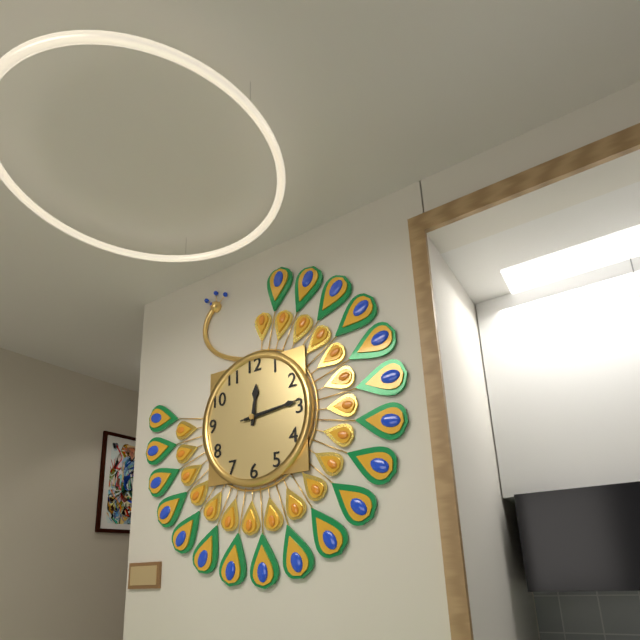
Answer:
12:14:14
